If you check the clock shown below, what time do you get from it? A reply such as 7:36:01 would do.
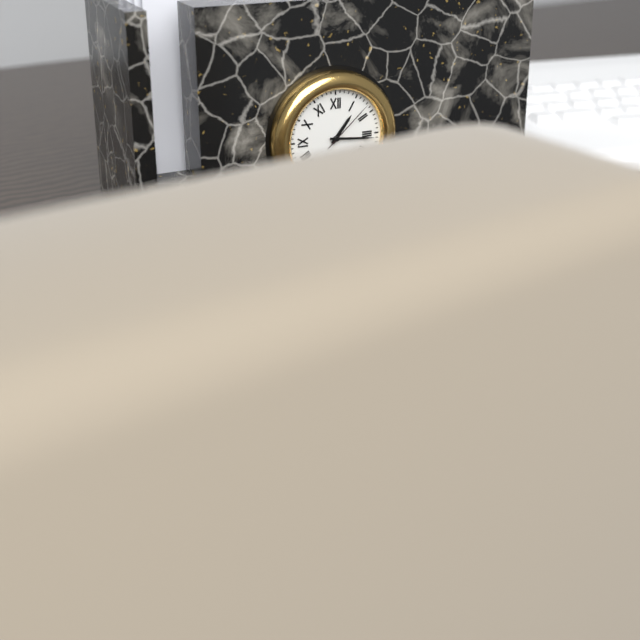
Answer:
1:16:08
